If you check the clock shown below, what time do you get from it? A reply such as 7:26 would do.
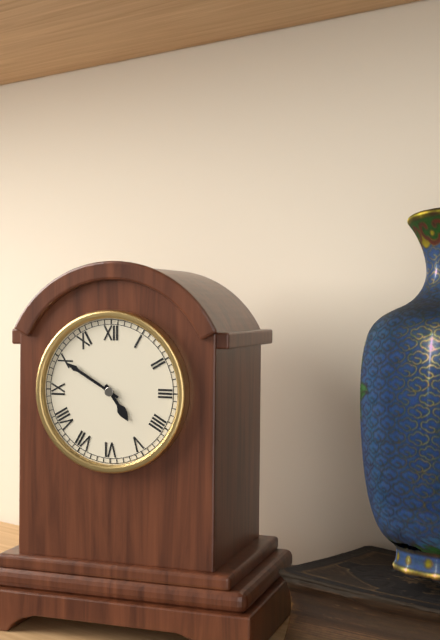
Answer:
4:50
